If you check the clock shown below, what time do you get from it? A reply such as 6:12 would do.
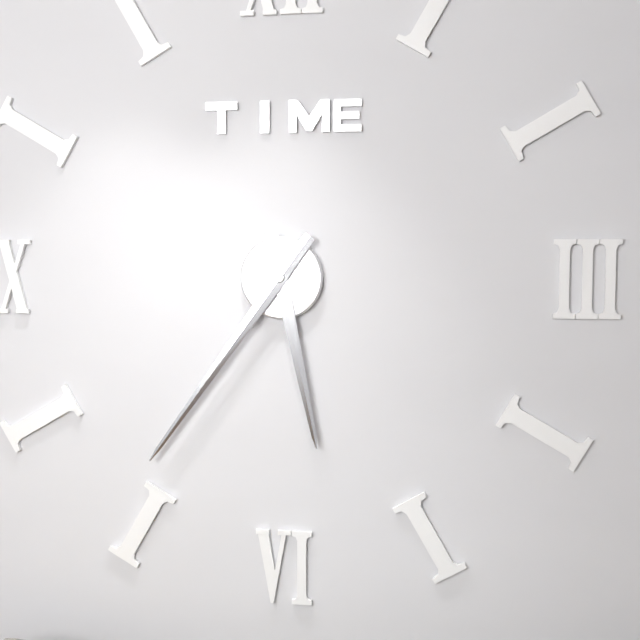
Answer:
5:36
